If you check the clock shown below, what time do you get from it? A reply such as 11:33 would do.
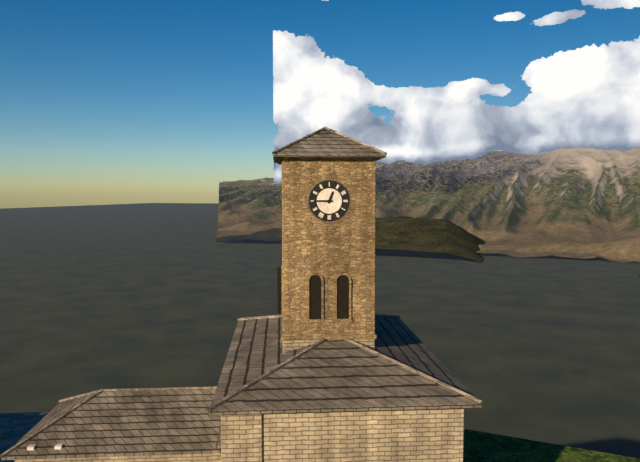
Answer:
12:45
